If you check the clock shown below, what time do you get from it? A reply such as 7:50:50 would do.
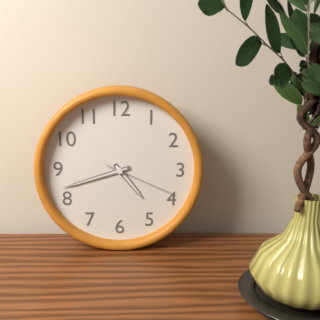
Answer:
4:42:19
